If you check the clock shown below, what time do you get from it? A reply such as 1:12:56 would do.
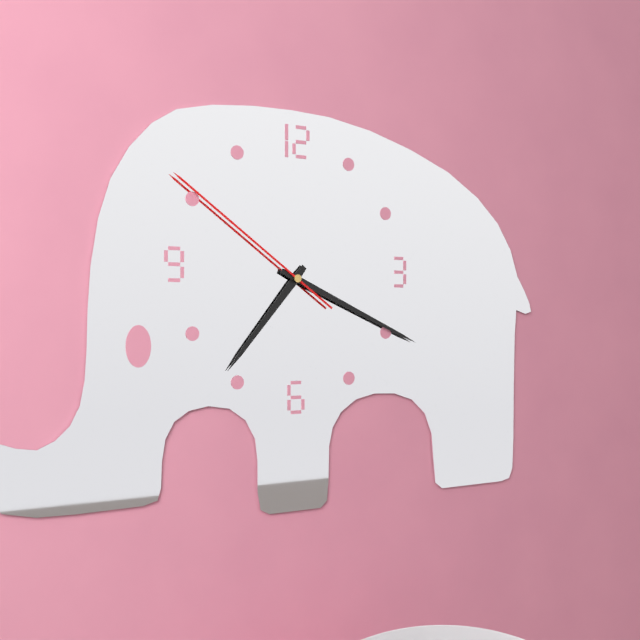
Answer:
7:19:51
